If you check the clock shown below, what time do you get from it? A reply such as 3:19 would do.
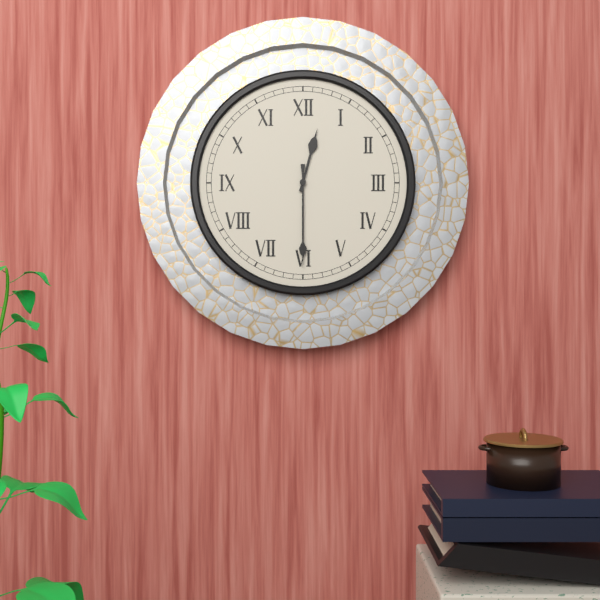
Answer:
12:30
